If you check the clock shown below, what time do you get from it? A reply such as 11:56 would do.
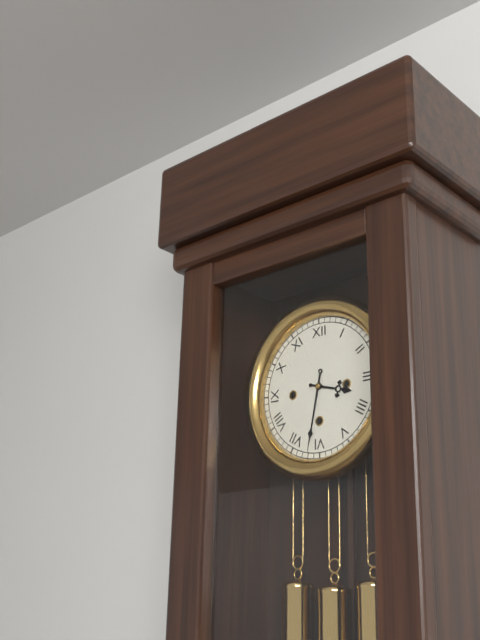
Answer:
3:32
